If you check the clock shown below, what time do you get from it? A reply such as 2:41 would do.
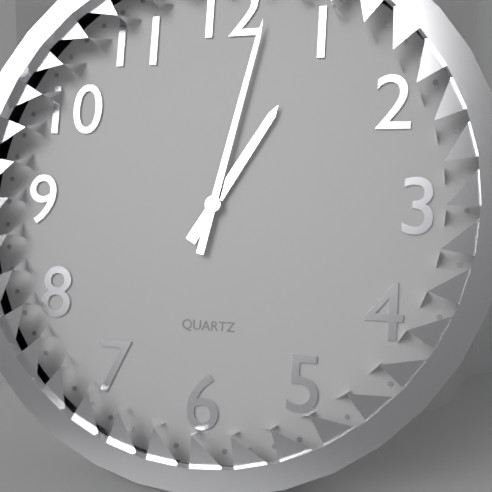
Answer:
1:02
